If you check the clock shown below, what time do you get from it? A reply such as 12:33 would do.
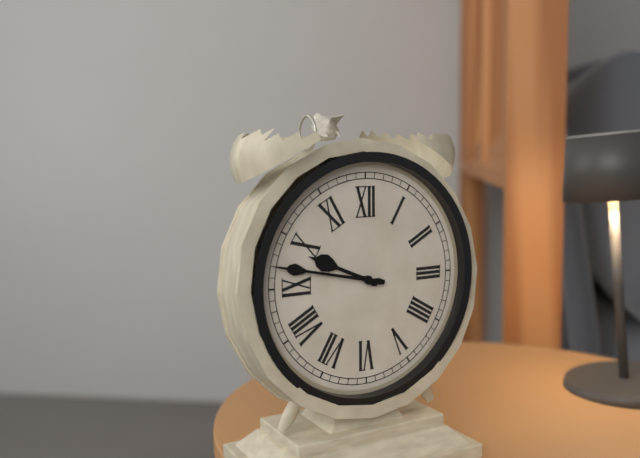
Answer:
9:47
